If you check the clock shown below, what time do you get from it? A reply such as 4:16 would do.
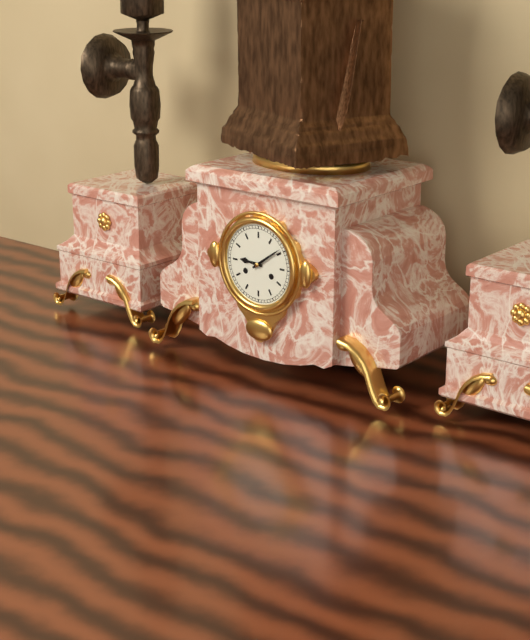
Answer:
9:09
